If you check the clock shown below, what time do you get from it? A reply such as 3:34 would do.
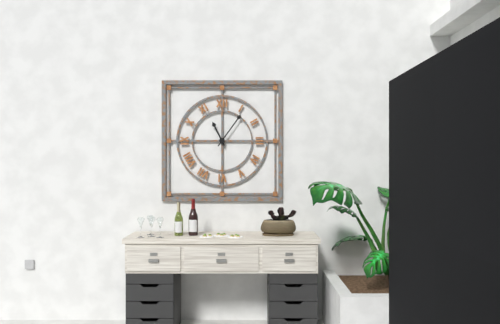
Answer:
11:06
